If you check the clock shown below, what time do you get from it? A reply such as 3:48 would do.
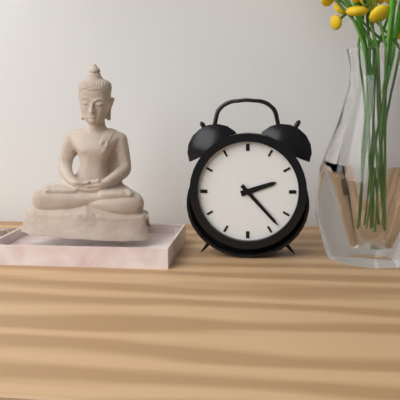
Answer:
2:23
